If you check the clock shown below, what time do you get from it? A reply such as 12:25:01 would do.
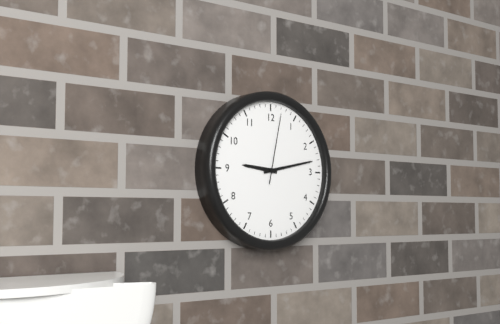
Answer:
9:13:02
